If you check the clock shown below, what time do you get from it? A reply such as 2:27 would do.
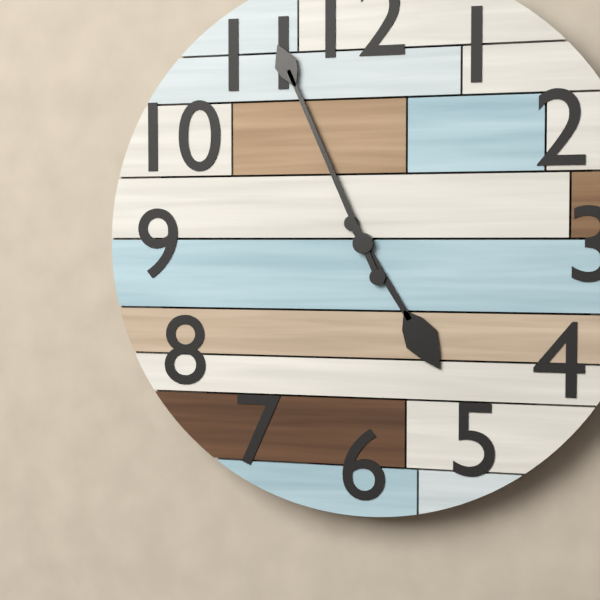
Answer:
4:56
